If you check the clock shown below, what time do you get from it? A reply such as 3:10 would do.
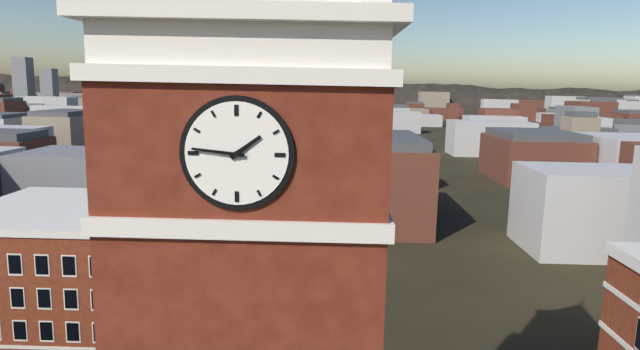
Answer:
1:46
